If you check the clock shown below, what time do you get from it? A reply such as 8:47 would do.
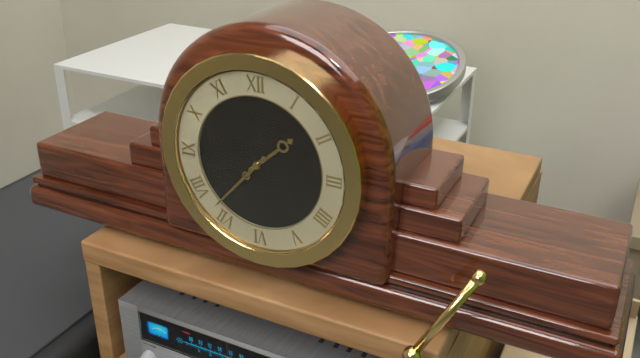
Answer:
1:37
